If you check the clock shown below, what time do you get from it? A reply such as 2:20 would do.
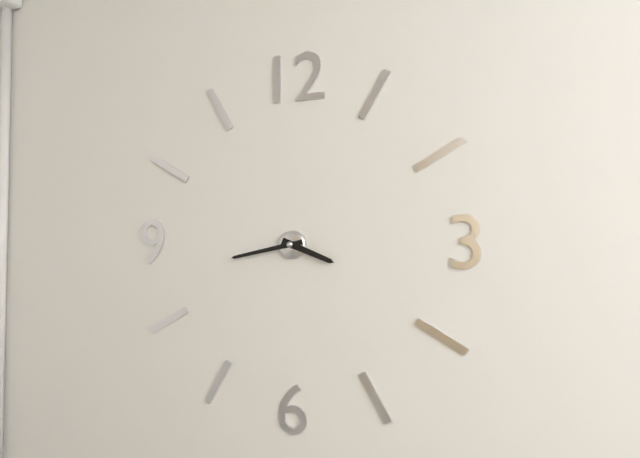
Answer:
3:43
